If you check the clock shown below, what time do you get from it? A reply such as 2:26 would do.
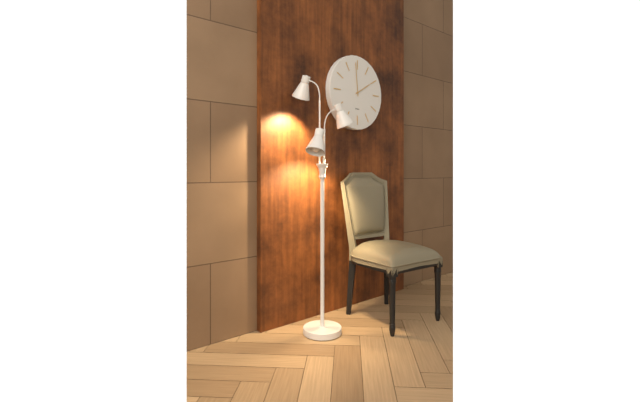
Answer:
1:59
